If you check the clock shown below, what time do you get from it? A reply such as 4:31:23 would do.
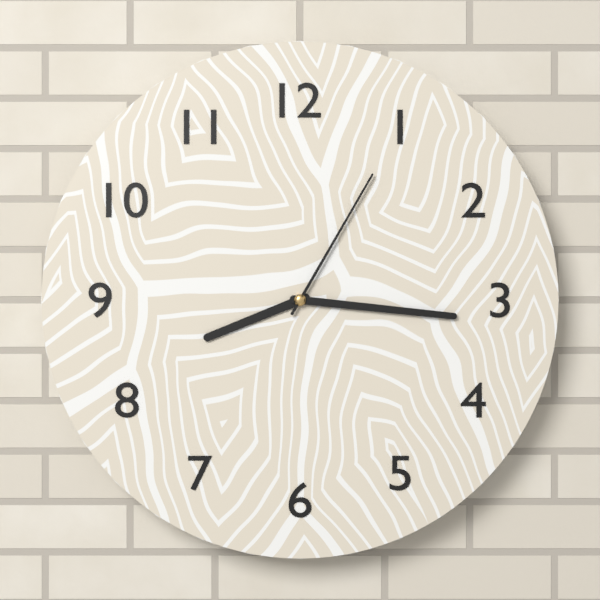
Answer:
8:16:05
